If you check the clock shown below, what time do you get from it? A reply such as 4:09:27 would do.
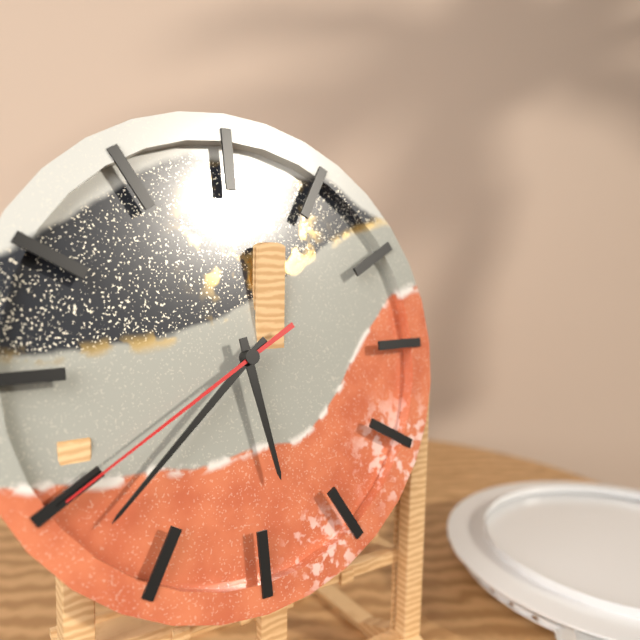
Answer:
5:38:40
